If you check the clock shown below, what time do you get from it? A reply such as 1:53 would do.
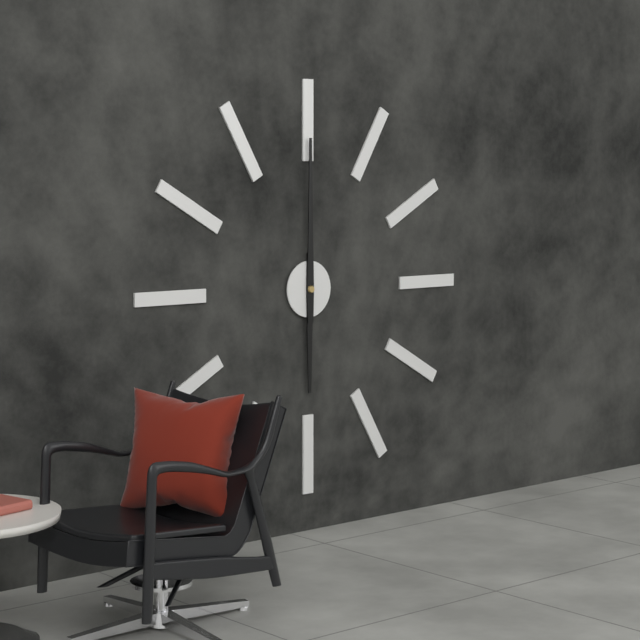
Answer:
6:00
